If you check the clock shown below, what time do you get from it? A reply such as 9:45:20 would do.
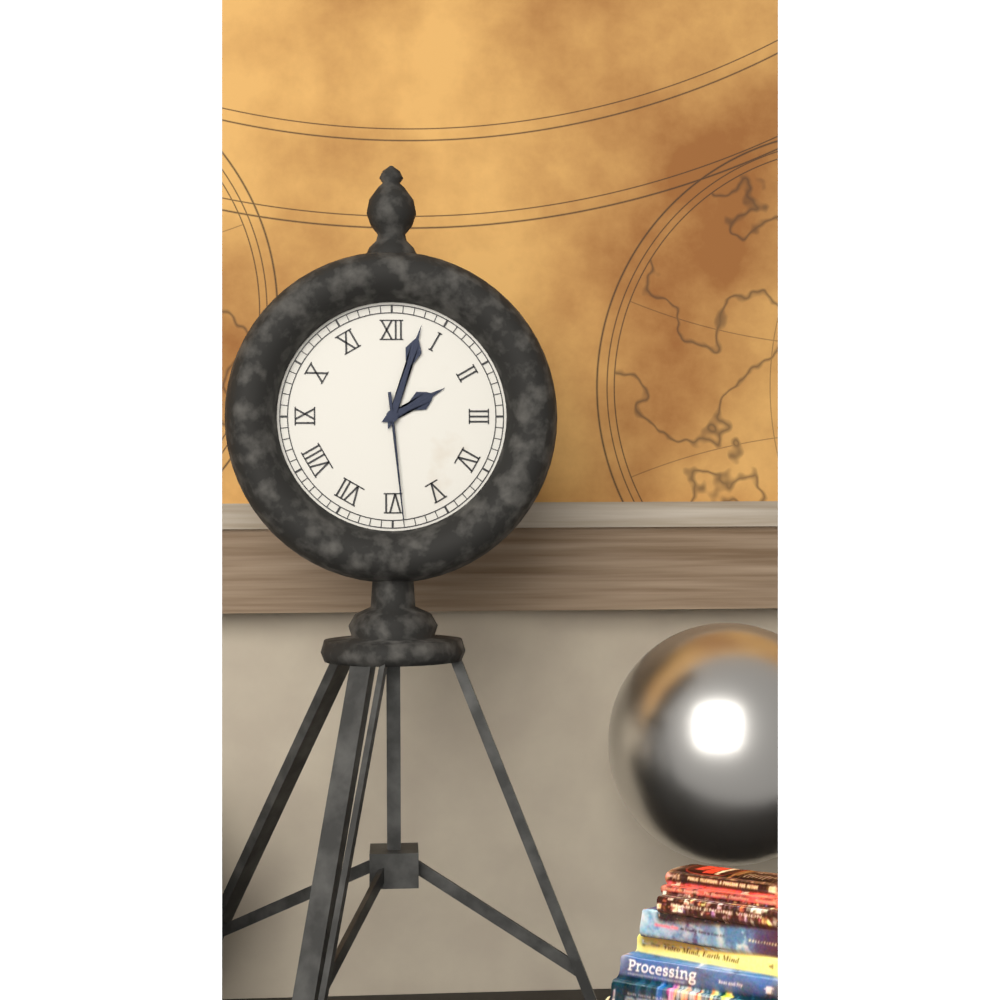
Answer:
2:03:29
